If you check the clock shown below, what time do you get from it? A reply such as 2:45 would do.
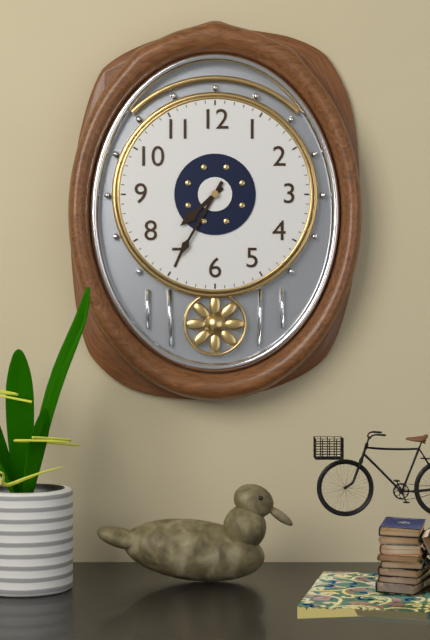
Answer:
7:35
